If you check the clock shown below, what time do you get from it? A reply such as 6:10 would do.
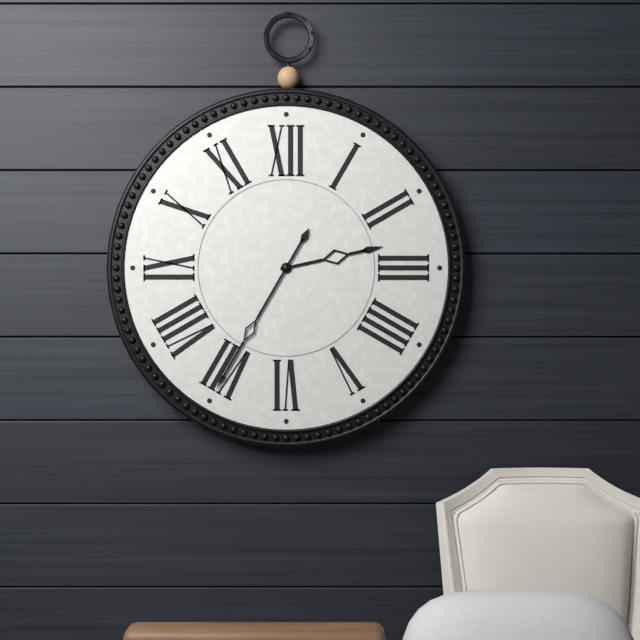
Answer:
2:35
